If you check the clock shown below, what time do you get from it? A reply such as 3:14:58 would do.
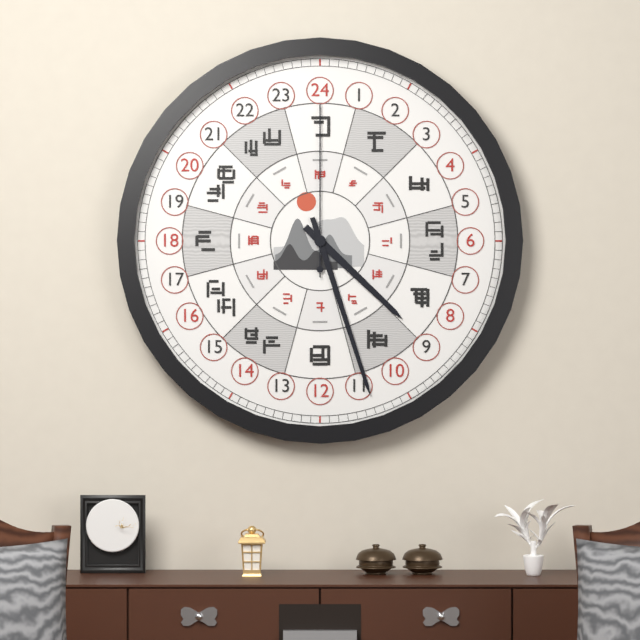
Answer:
4:27:00
